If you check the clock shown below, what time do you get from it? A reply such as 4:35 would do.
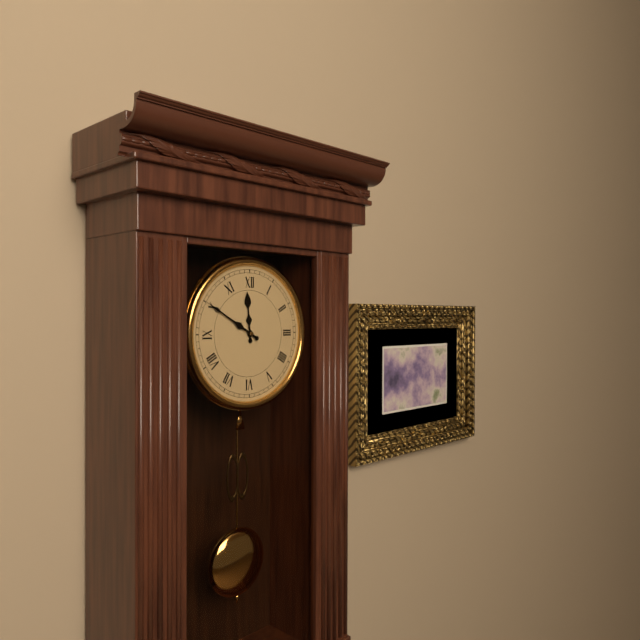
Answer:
11:50
